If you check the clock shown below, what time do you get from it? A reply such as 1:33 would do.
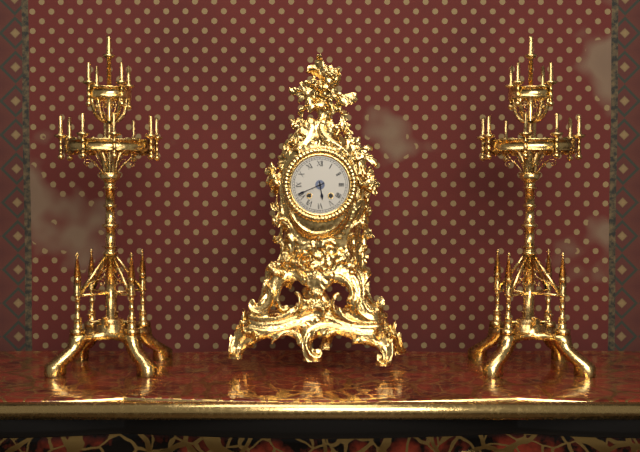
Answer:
5:41
